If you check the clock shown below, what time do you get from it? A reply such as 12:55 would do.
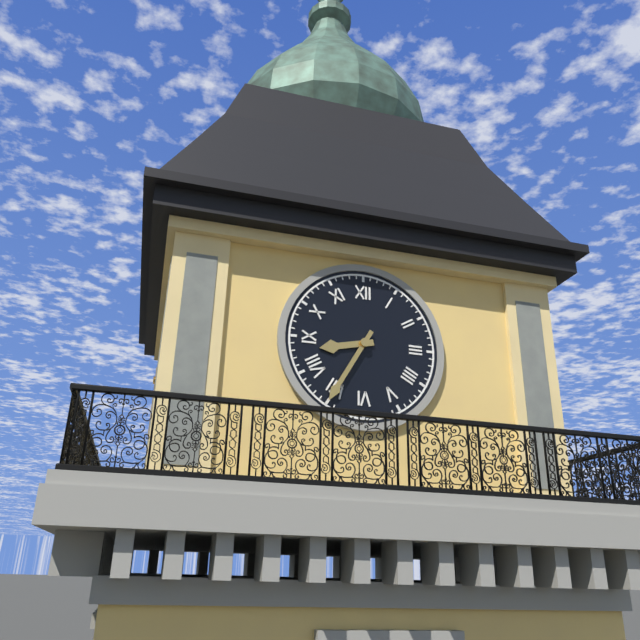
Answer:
8:35
